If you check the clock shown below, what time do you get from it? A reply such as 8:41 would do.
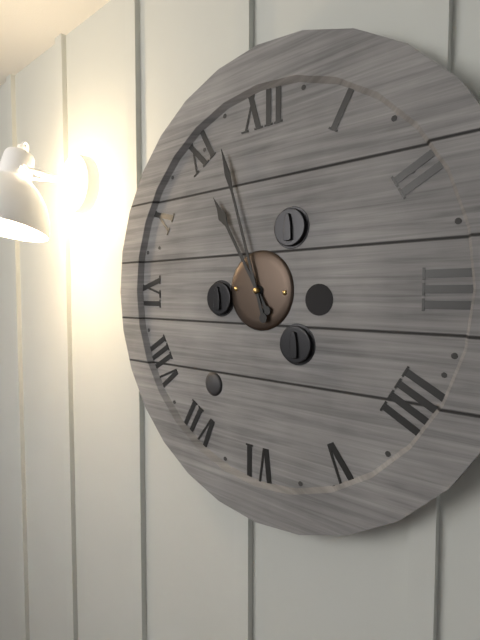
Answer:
10:57
